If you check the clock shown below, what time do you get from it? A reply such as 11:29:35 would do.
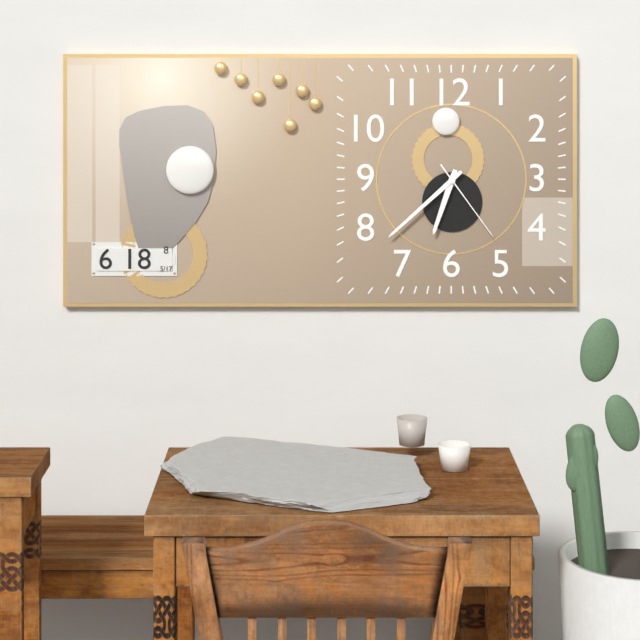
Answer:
6:38:24
